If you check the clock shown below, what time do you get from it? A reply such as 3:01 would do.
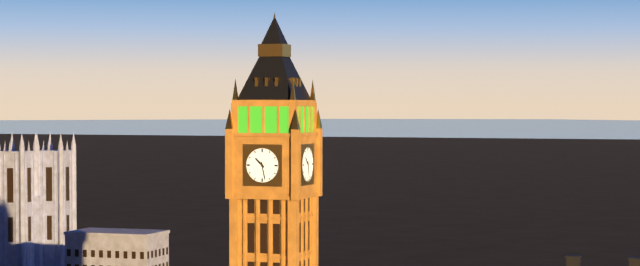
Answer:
10:28
